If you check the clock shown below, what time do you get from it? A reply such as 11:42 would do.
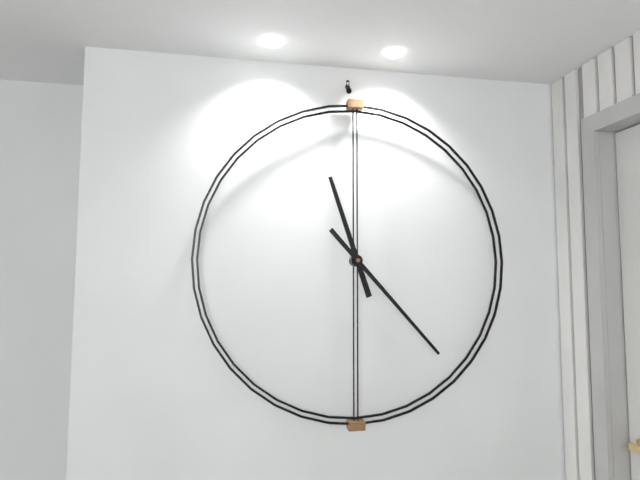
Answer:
11:23
